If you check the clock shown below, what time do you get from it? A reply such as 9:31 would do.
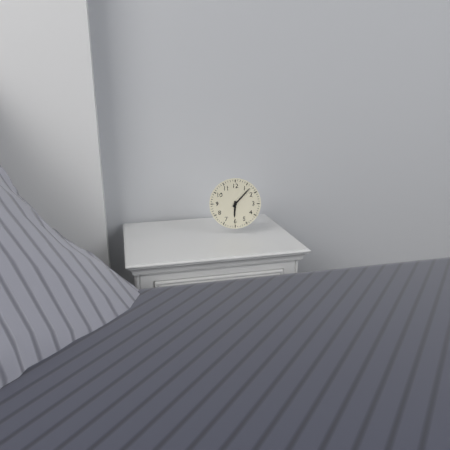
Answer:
6:07
